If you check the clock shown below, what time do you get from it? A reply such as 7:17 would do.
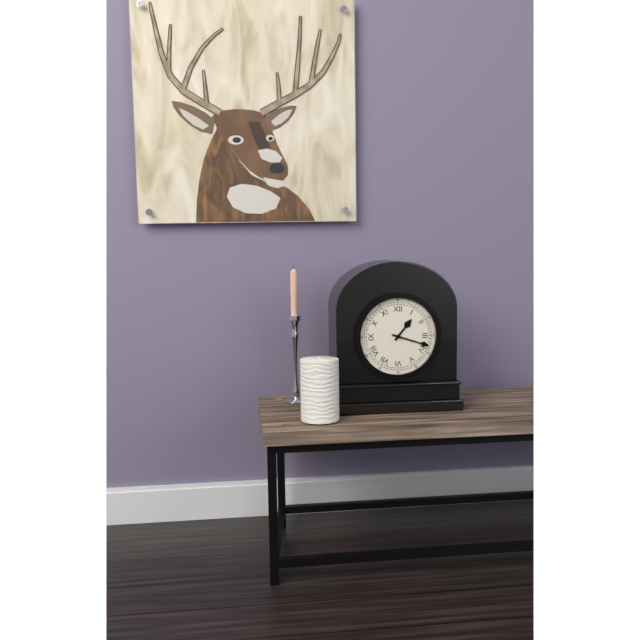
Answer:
1:18
